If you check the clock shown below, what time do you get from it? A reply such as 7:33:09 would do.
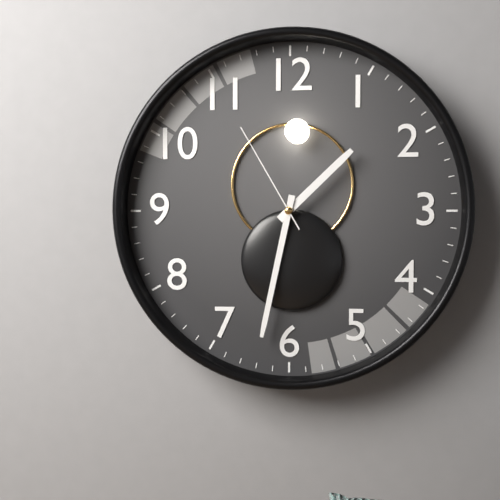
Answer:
1:32:55
